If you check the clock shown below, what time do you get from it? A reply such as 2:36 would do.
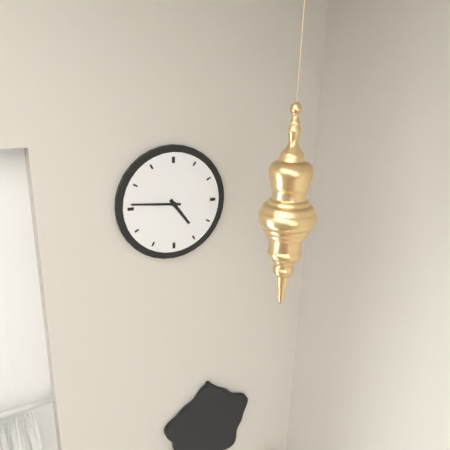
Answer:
4:46
